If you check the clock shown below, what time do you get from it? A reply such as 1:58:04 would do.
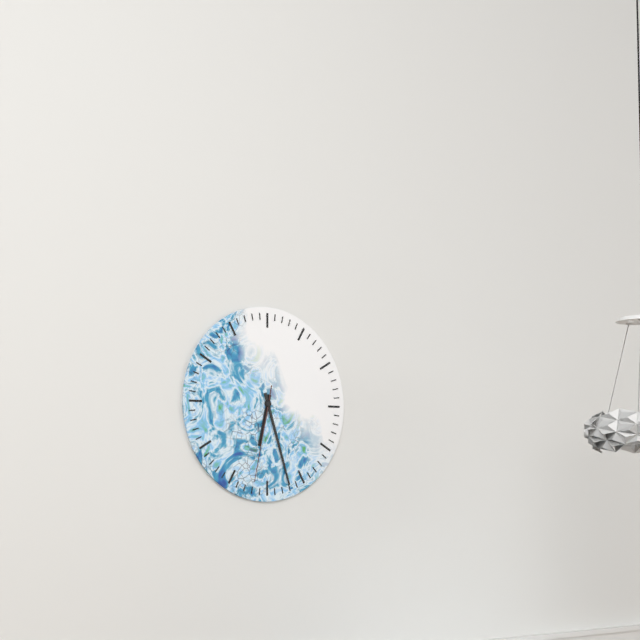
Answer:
6:27:32
